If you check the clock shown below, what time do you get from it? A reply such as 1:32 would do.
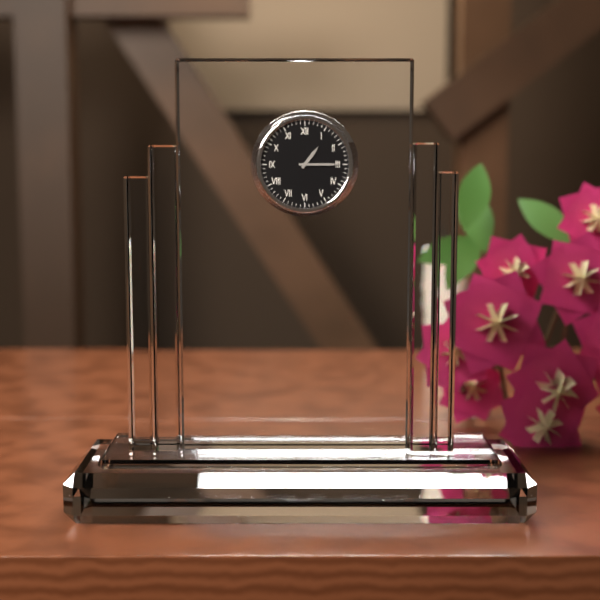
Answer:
1:15
